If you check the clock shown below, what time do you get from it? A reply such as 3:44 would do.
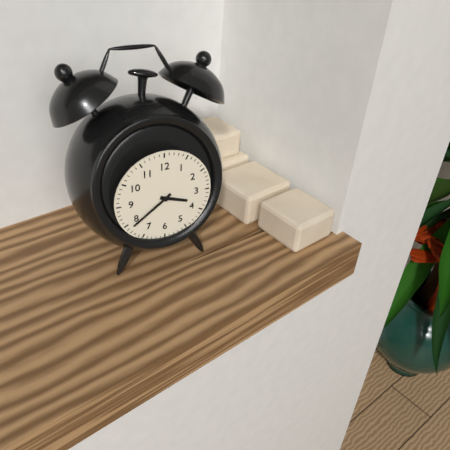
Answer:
3:39
